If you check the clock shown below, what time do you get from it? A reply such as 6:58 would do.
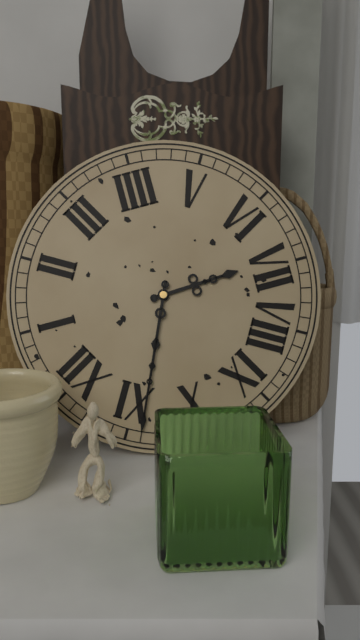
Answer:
6:54
